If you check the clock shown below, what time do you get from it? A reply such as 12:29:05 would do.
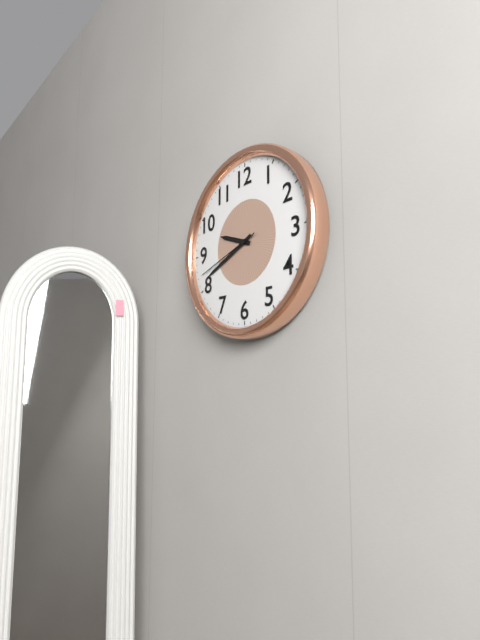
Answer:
9:41:42
